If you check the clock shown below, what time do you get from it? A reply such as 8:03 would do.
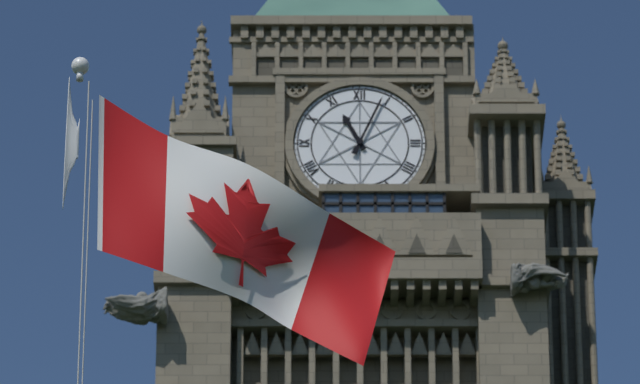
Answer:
11:04
